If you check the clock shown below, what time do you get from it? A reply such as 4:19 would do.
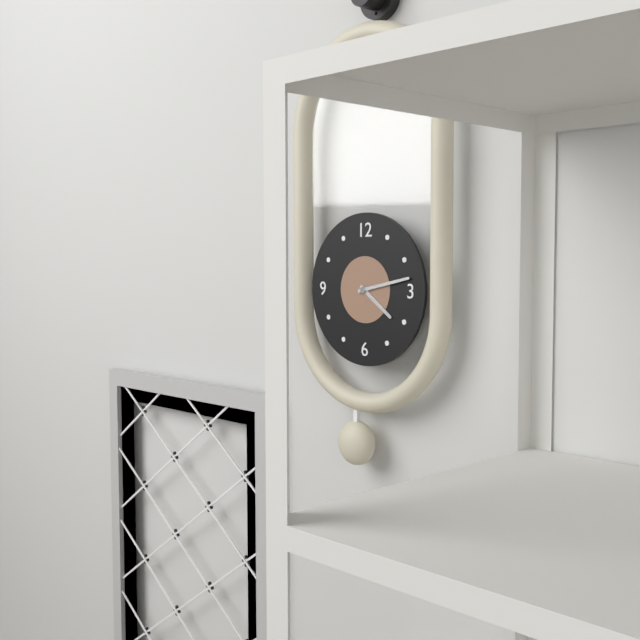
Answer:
4:13
